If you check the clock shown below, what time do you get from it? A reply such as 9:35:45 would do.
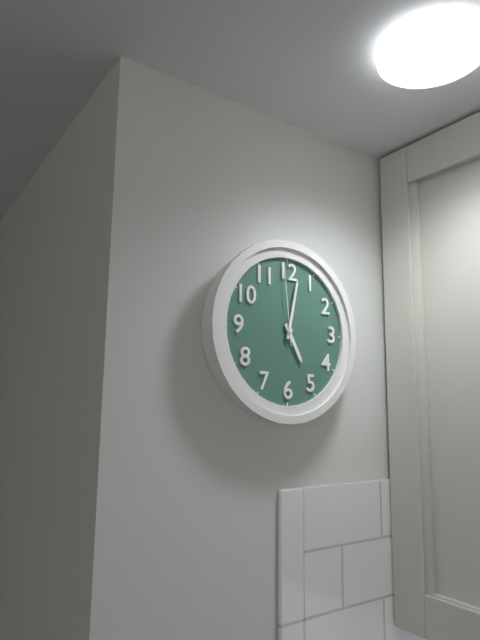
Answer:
5:02:59
